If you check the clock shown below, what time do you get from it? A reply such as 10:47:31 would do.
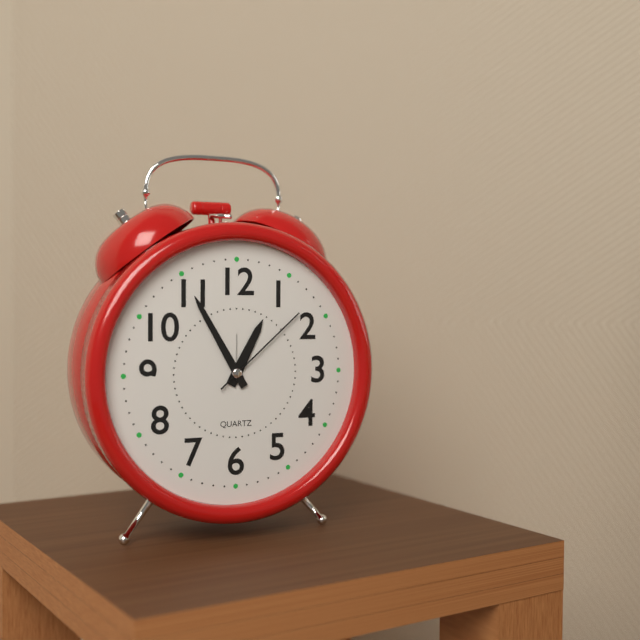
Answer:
12:55:08
